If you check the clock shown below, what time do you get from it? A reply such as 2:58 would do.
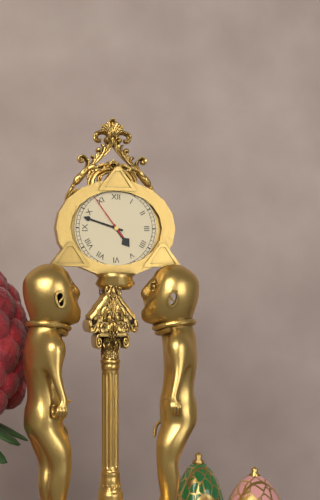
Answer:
4:48
